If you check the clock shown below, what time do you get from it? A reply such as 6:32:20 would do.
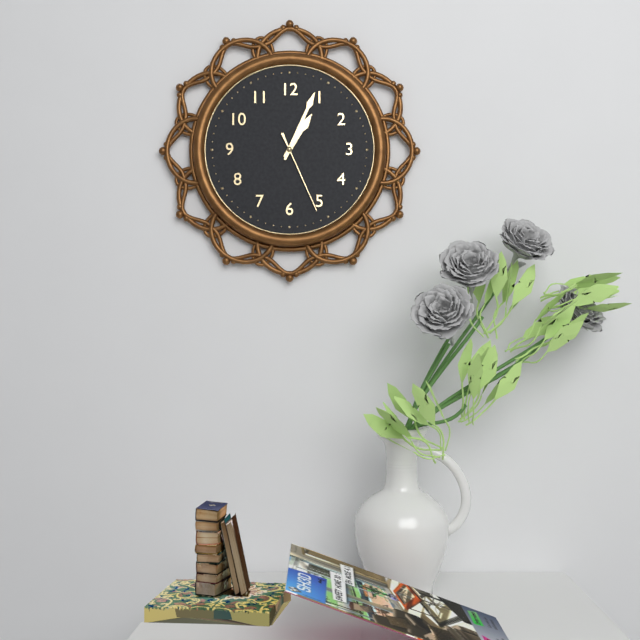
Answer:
1:04:26
